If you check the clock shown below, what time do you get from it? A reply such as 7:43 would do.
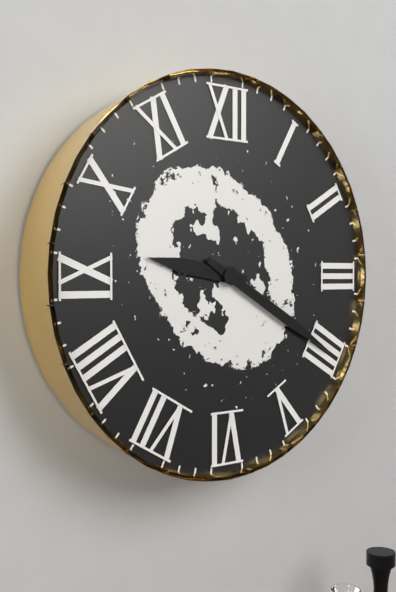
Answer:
9:20
